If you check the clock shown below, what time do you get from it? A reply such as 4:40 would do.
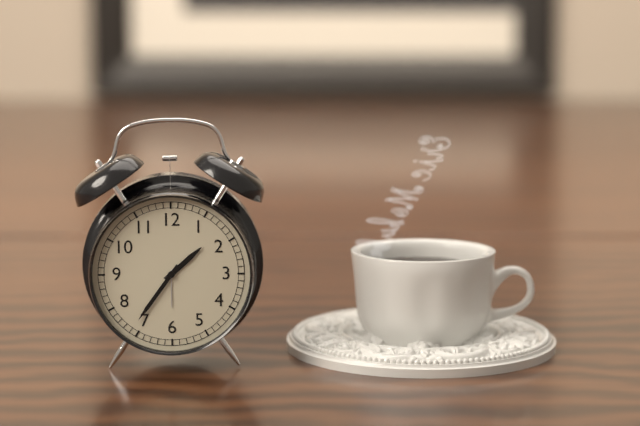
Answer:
1:36
